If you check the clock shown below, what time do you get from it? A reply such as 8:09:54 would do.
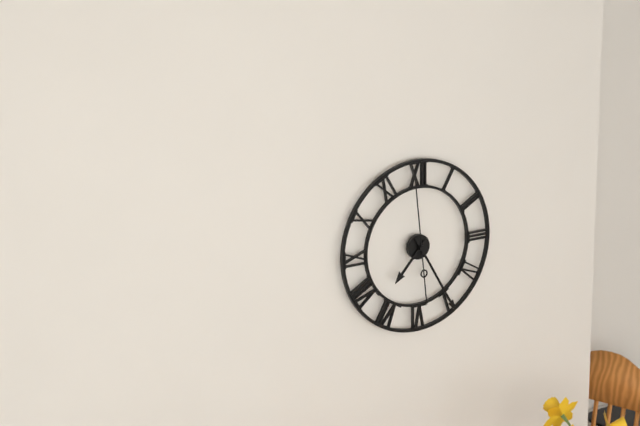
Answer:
7:25:59
